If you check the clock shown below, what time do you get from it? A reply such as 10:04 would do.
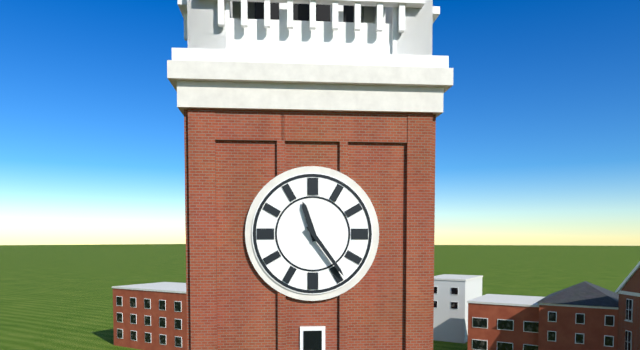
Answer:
11:24
